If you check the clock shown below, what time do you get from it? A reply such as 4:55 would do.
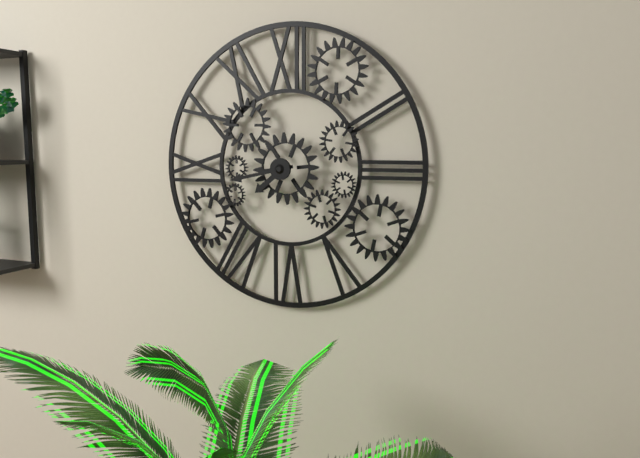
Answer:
7:43
